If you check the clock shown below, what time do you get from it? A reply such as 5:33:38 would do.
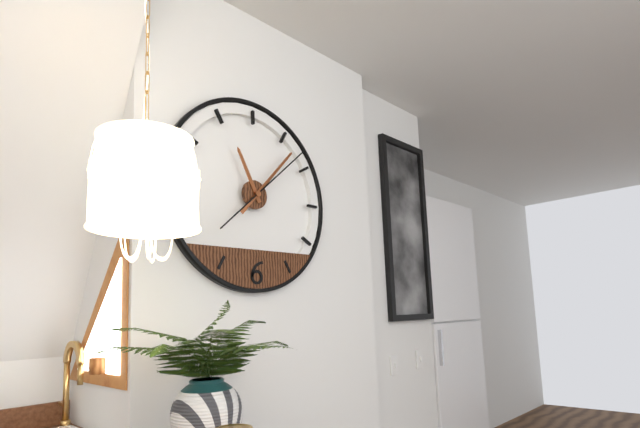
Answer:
11:07:08
